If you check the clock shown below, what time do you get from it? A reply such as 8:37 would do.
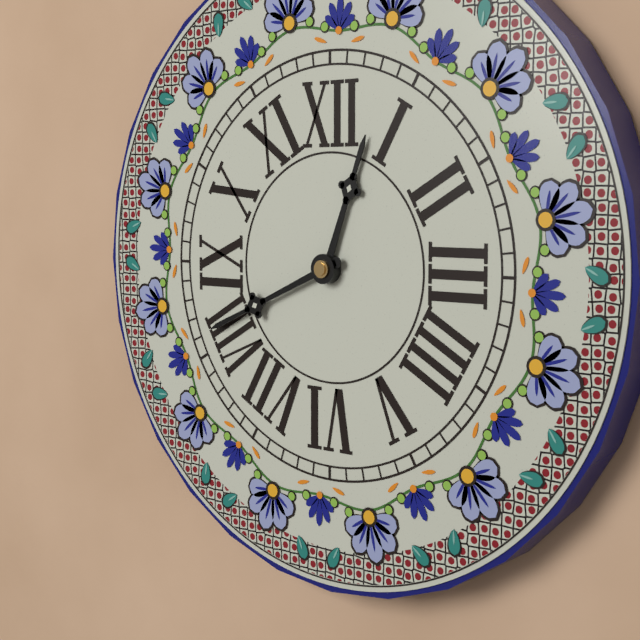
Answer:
12:41
